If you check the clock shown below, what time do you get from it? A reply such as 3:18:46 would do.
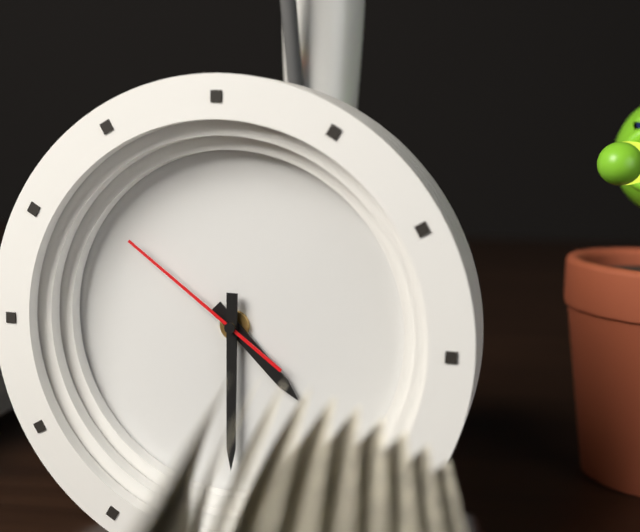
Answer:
4:30:51
